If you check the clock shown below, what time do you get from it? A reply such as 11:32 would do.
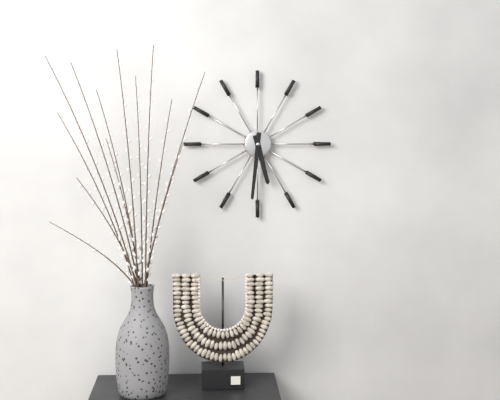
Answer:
5:31
